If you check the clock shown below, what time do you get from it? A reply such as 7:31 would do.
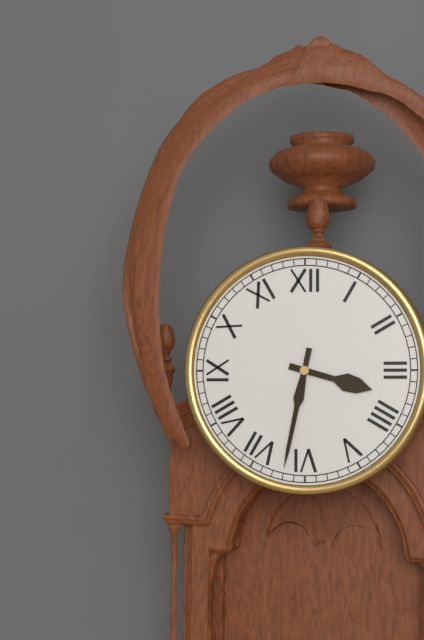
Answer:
3:32
